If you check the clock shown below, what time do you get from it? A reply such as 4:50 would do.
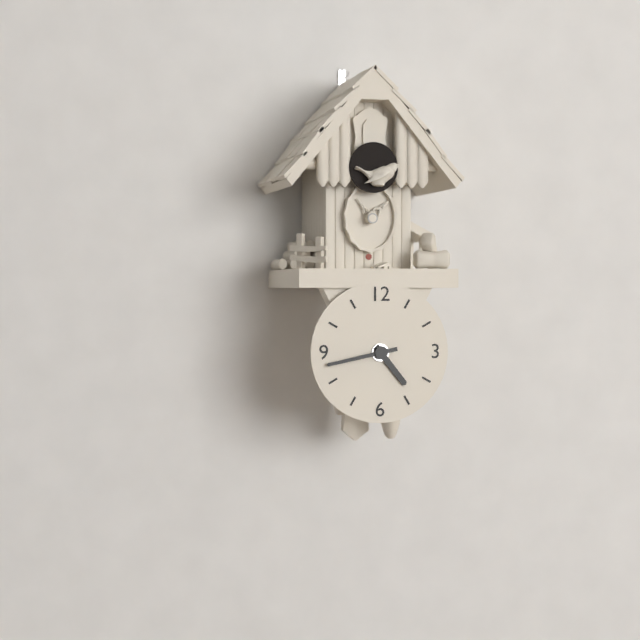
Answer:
4:43
